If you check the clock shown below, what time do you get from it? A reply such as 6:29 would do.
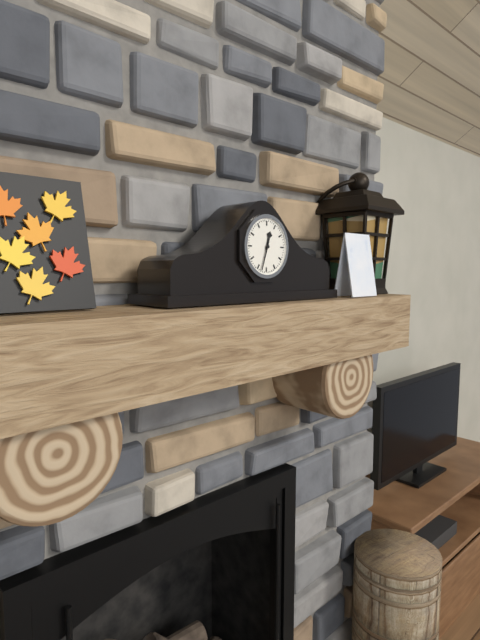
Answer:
12:33
